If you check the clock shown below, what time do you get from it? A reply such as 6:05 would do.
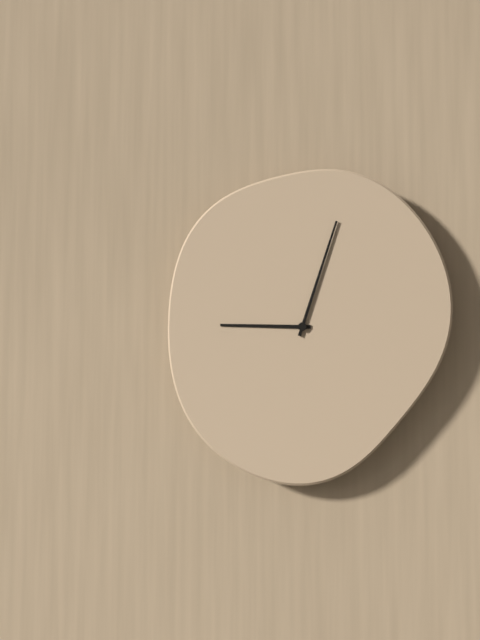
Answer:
9:03
